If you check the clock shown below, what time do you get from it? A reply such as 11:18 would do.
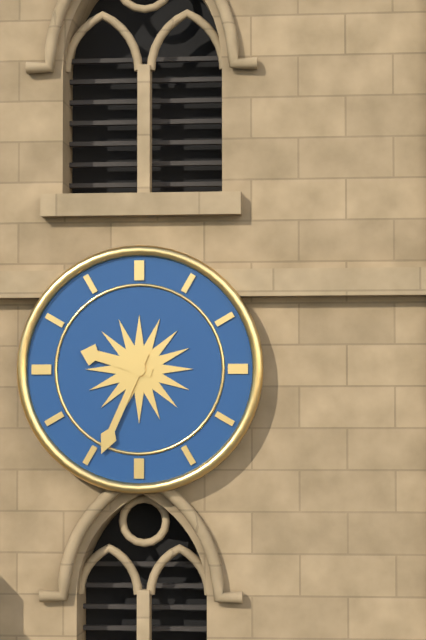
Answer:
9:34
